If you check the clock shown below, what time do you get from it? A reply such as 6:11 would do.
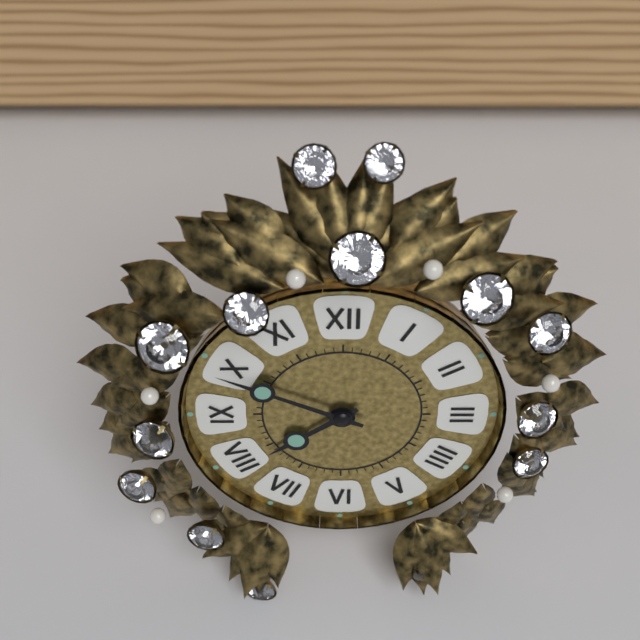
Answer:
7:49
